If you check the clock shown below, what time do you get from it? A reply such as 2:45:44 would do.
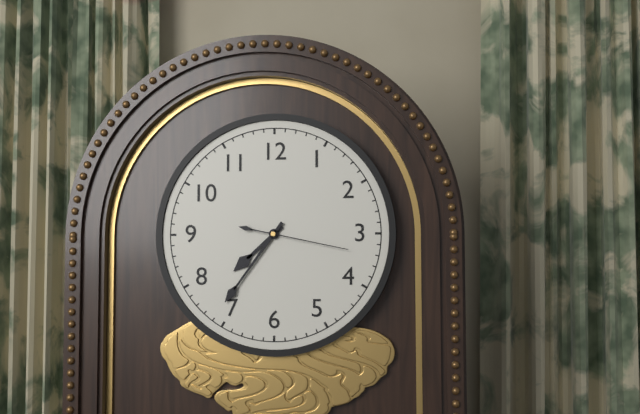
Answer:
7:36:17
